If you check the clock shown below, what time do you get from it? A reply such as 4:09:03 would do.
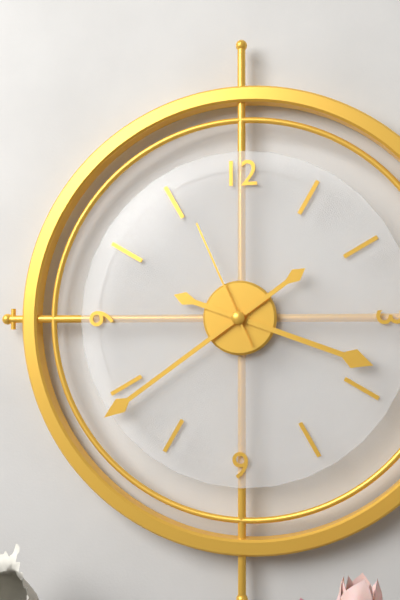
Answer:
3:39:56
